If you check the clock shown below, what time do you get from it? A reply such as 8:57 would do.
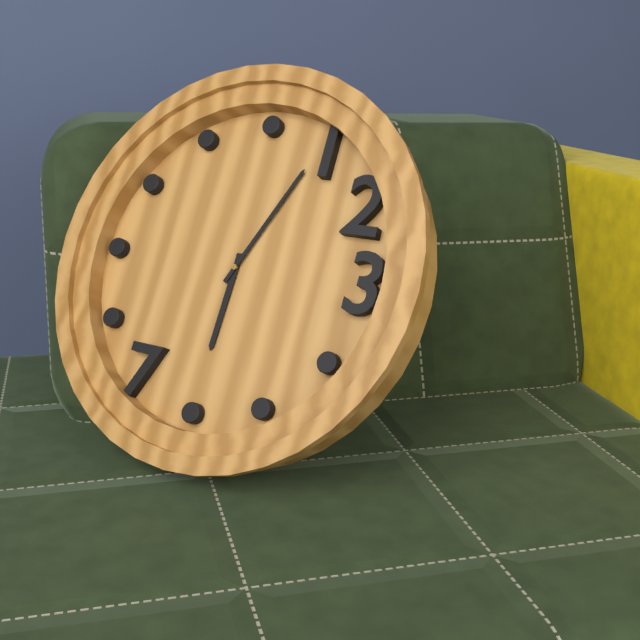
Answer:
6:04
